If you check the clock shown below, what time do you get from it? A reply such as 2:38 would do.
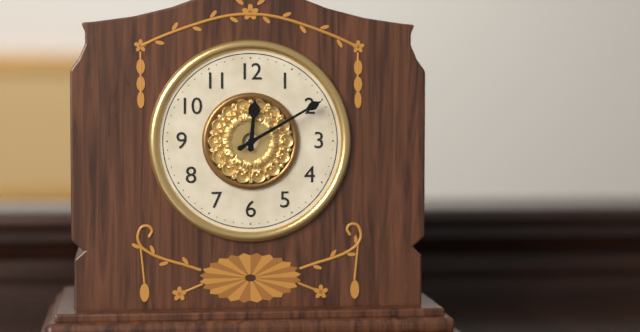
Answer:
12:10
